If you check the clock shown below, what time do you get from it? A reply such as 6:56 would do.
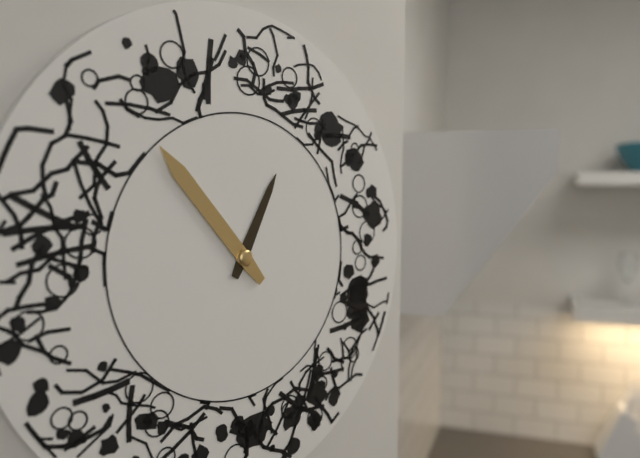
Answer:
12:53
